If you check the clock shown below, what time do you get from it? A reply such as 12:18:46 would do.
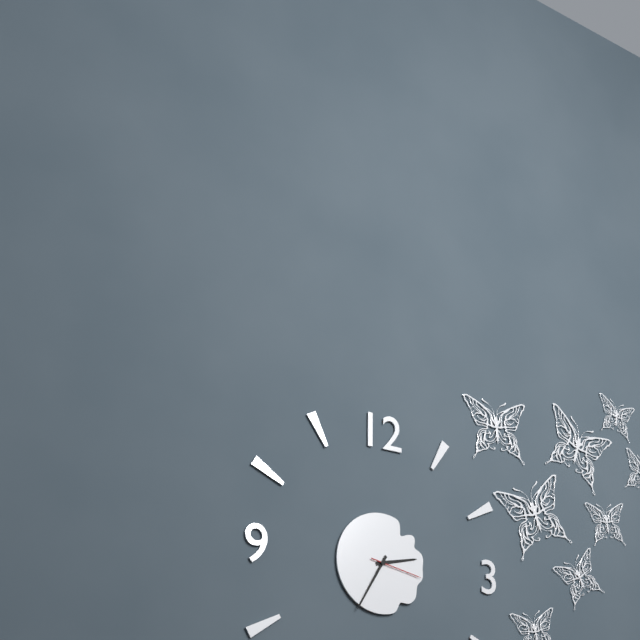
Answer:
2:35:17
